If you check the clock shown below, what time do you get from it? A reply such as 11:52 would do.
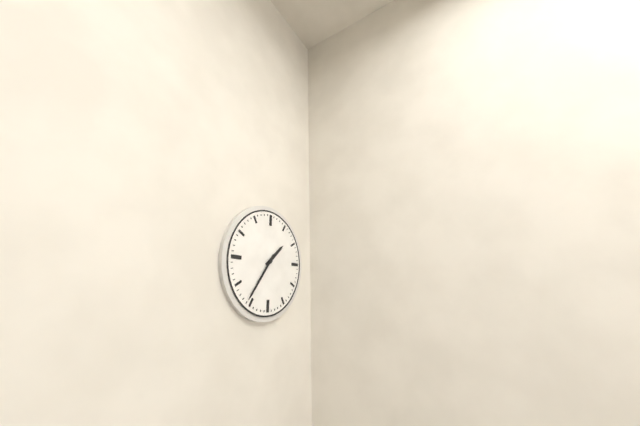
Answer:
1:36
